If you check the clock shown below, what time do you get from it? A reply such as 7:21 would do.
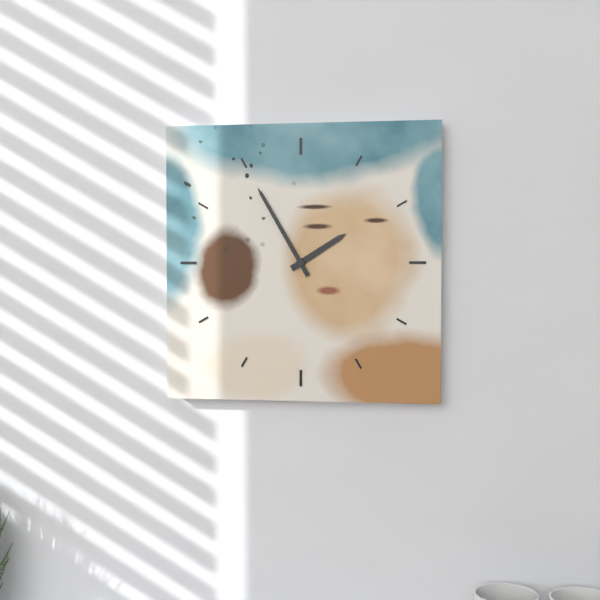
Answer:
1:55
